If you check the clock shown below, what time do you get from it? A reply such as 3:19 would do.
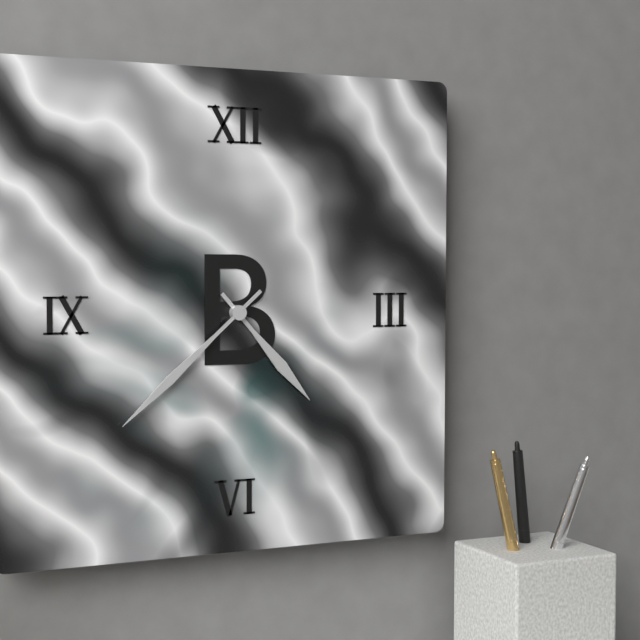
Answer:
4:38
